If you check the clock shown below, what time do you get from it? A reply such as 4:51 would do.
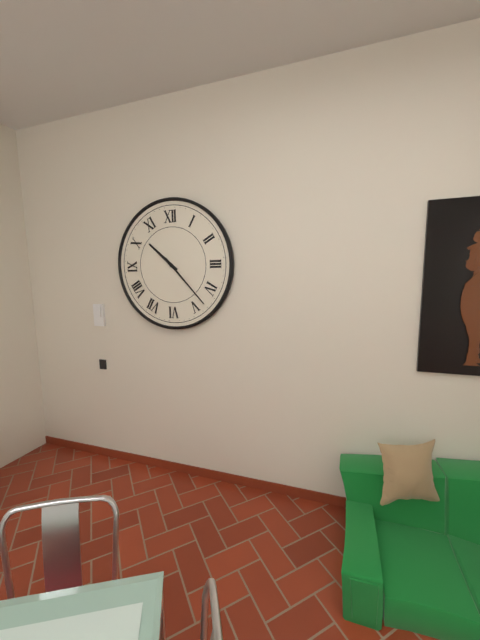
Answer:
10:23
